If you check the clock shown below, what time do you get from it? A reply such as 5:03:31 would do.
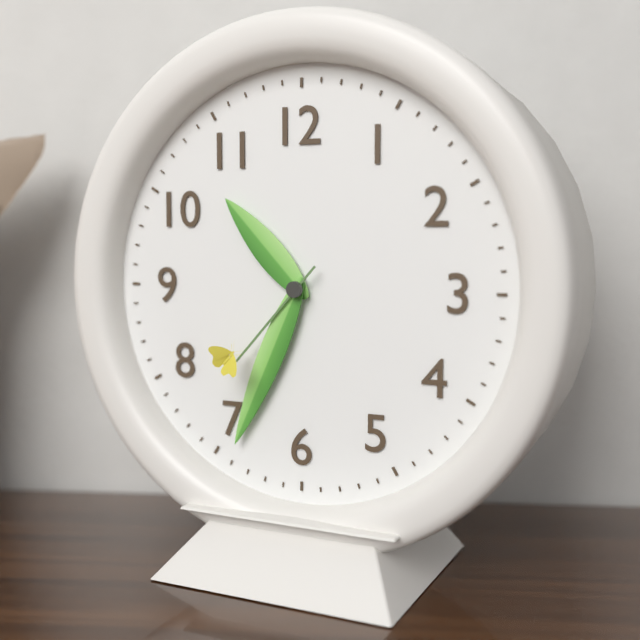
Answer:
10:34:37
